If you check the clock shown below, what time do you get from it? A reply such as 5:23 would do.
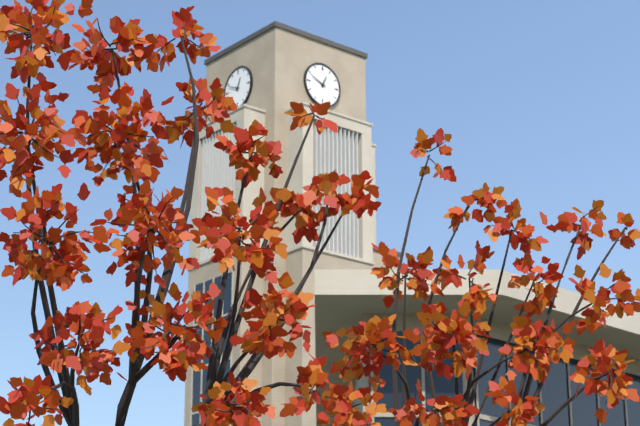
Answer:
12:49
